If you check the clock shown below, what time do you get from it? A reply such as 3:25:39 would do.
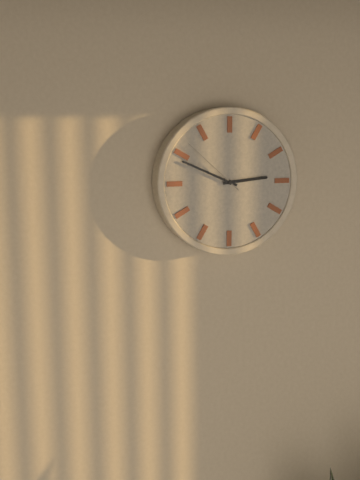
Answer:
2:49:52
